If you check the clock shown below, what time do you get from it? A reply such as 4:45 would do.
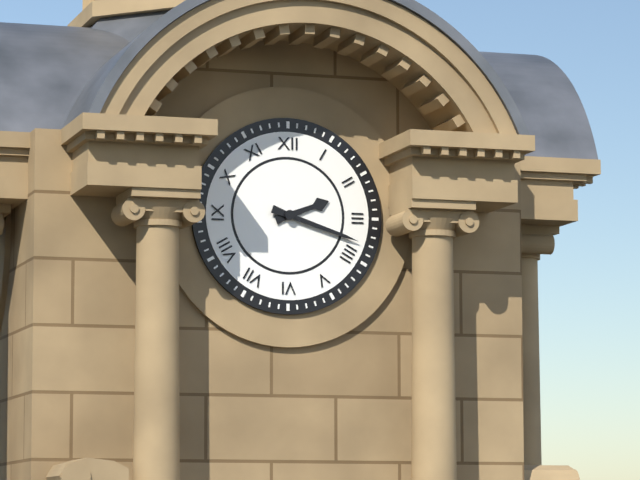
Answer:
2:18
